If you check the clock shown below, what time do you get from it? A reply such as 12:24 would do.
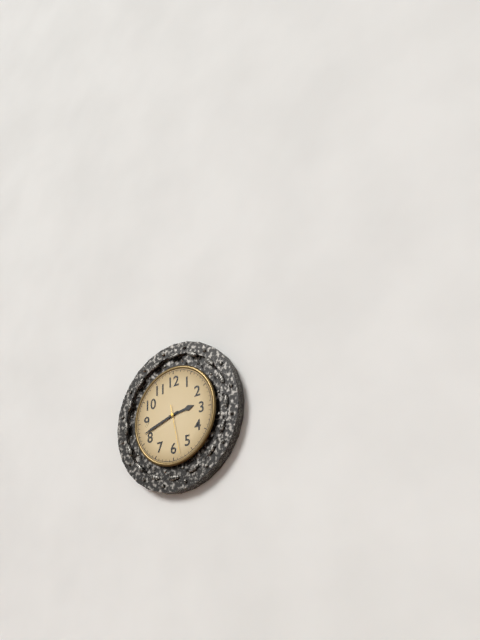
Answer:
2:42
